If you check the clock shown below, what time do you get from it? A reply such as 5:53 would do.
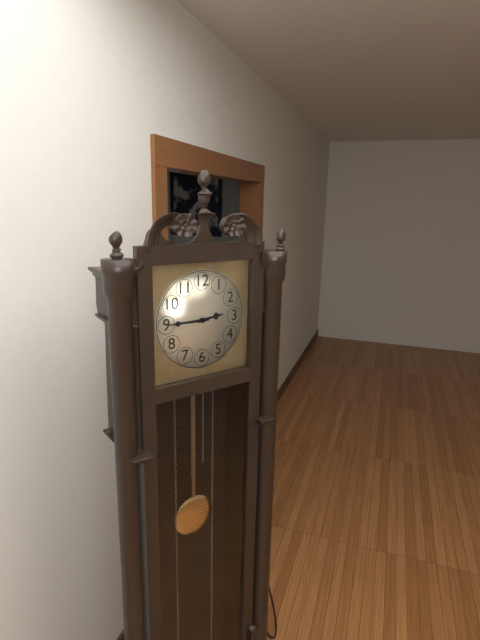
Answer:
2:45
